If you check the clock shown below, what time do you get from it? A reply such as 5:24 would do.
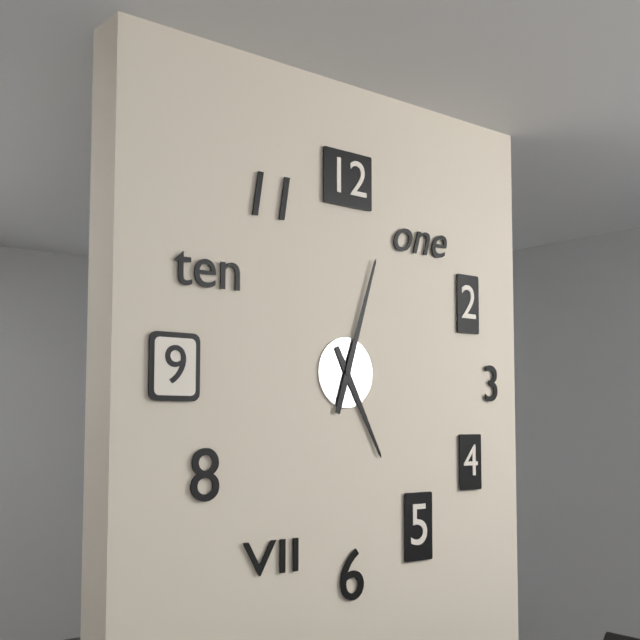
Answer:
5:03
